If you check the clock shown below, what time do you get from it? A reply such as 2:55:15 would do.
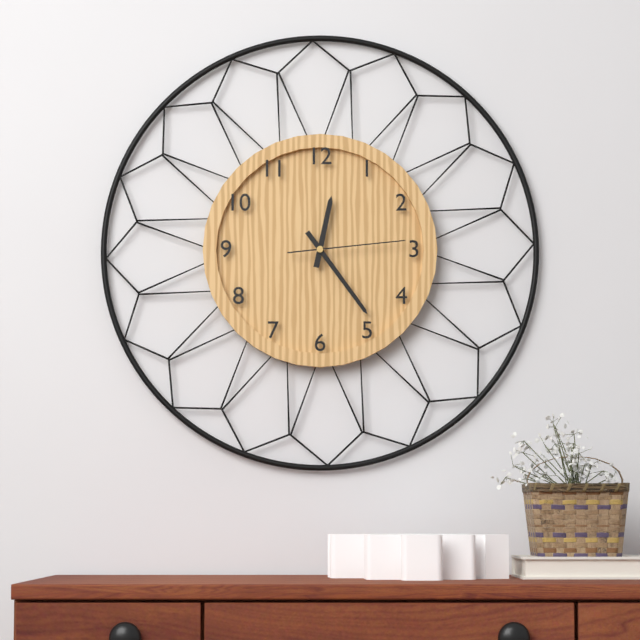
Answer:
12:24:14
